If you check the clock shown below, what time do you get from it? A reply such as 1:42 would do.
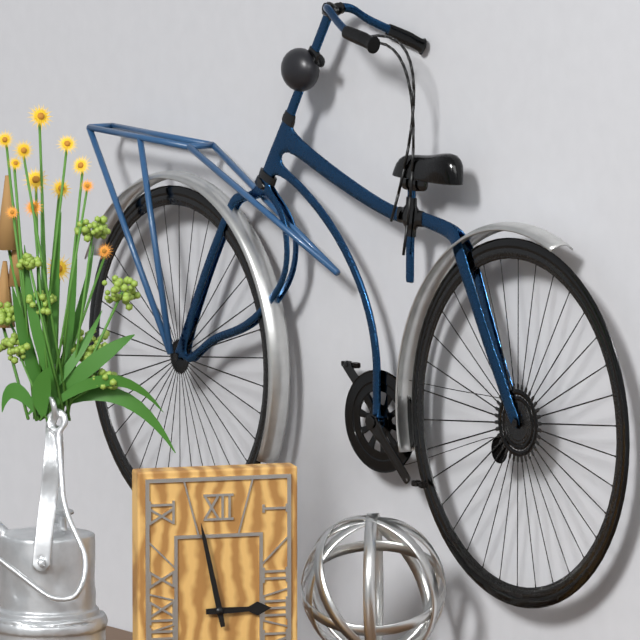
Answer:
2:58
